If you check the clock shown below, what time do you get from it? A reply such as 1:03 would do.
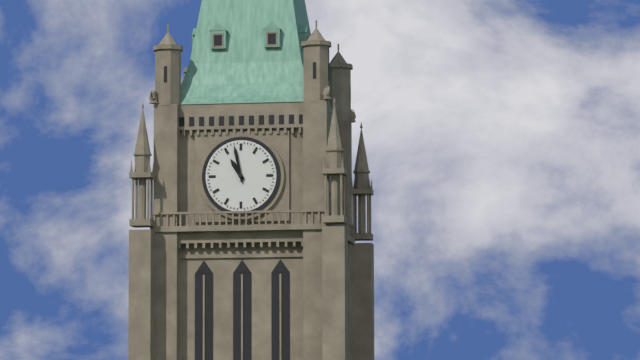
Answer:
10:58
